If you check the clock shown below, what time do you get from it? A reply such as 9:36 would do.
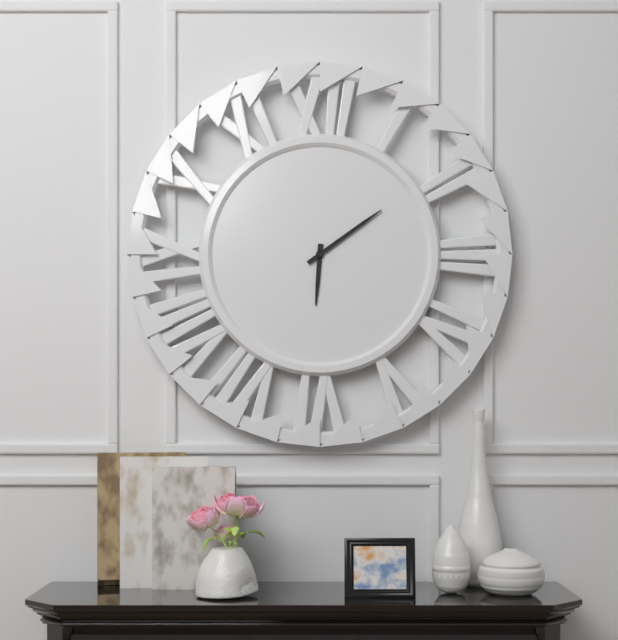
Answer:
6:09
